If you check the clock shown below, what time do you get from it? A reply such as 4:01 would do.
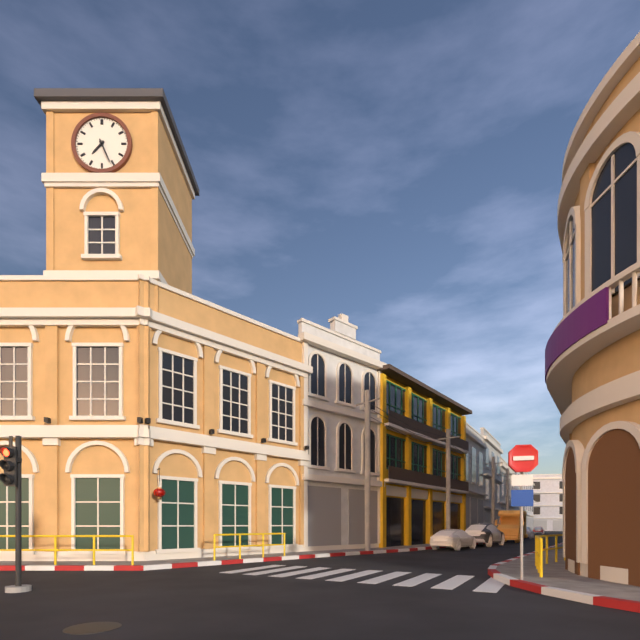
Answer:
7:26
